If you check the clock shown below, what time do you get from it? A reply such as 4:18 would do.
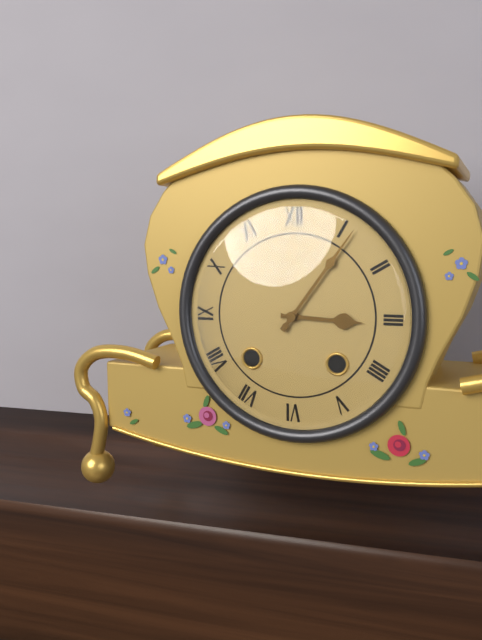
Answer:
3:06
